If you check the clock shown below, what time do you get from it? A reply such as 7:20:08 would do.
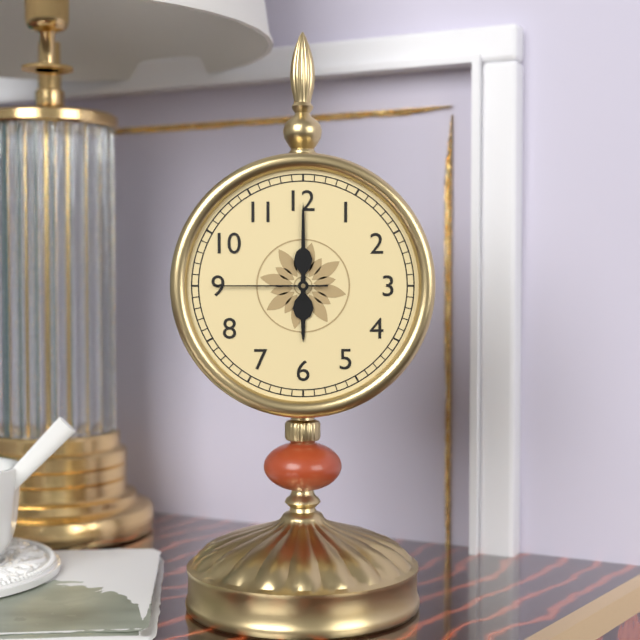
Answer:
6:00:45
